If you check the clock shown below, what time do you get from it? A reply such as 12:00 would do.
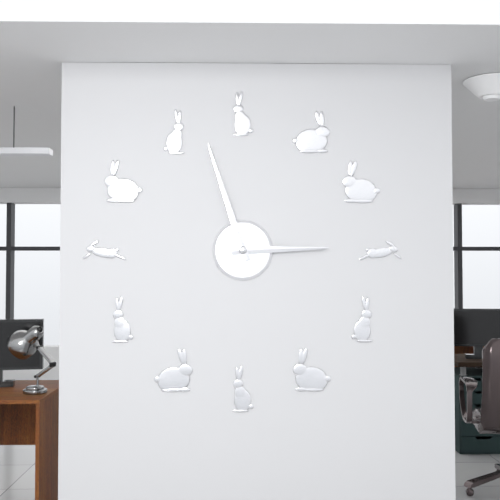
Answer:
2:57
